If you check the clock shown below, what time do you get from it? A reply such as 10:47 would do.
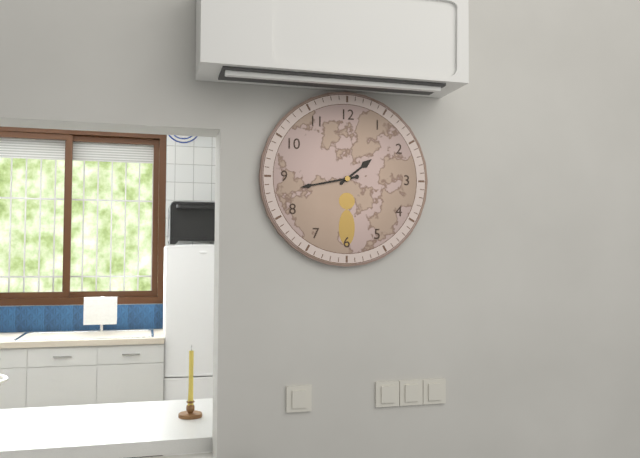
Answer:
1:43
